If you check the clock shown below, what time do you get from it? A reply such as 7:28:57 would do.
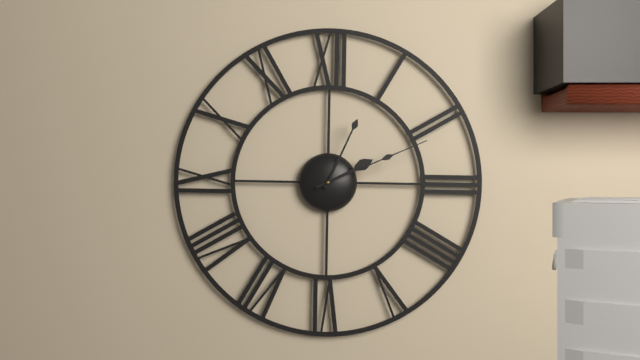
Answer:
2:04:11
